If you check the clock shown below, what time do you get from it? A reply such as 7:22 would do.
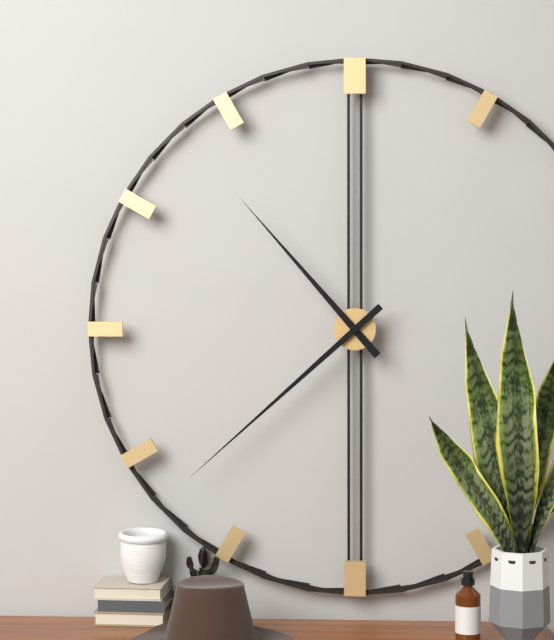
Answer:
10:38
